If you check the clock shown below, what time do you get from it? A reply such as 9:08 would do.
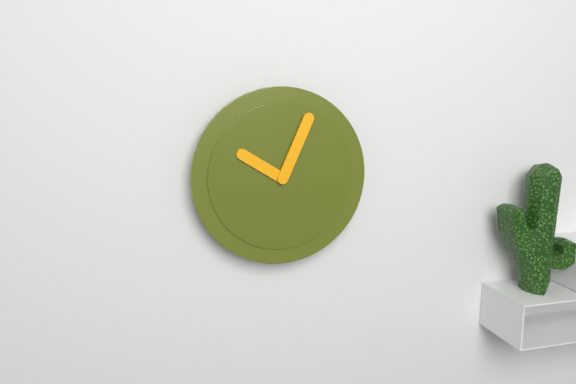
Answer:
10:04
